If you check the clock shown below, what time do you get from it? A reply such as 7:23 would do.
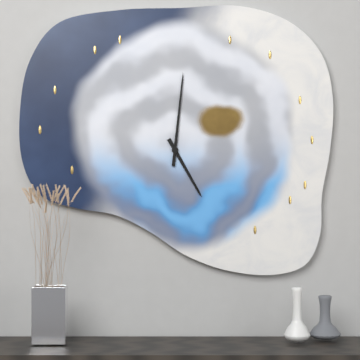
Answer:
5:01
